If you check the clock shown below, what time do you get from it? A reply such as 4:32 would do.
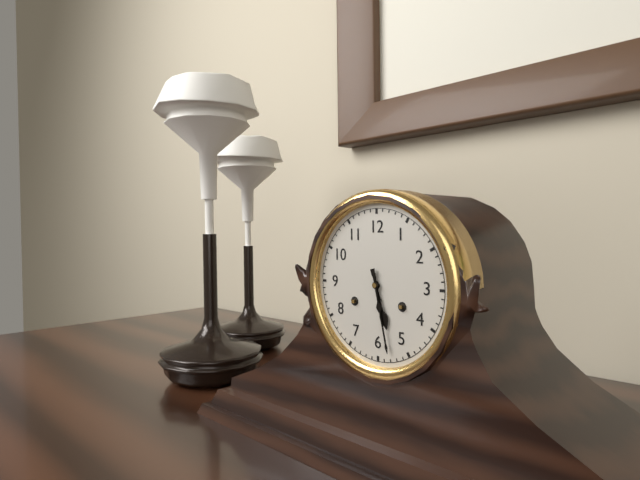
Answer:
5:28
